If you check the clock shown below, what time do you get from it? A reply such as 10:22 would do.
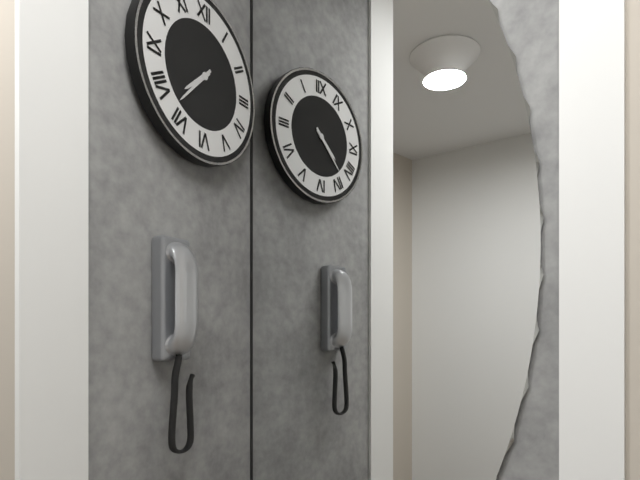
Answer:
7:37
